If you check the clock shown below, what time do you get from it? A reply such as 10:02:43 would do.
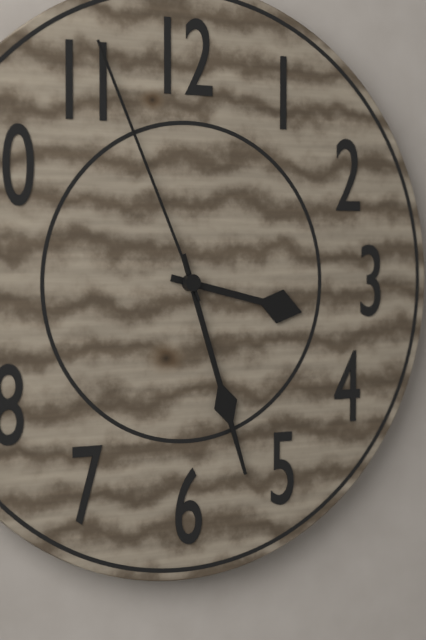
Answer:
3:27:56
